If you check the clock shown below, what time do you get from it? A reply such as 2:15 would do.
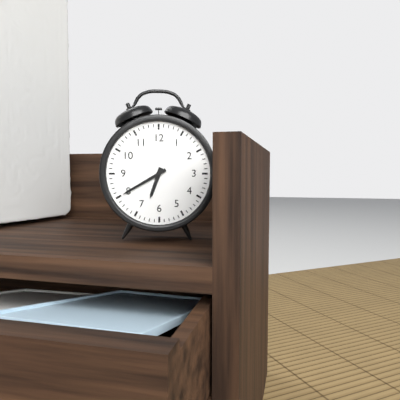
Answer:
6:40
